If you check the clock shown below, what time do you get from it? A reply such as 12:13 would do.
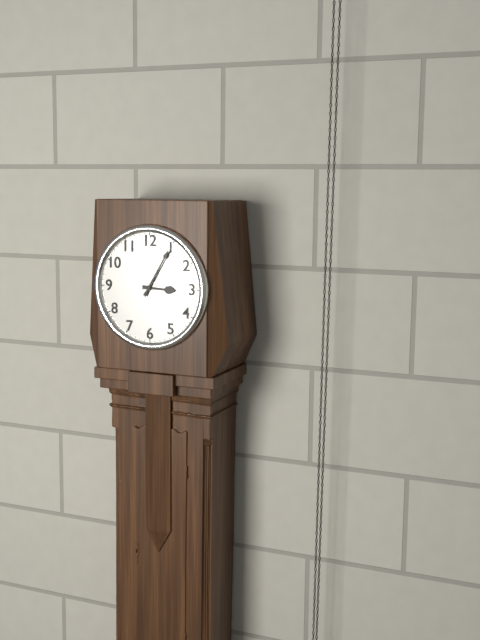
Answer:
3:05
